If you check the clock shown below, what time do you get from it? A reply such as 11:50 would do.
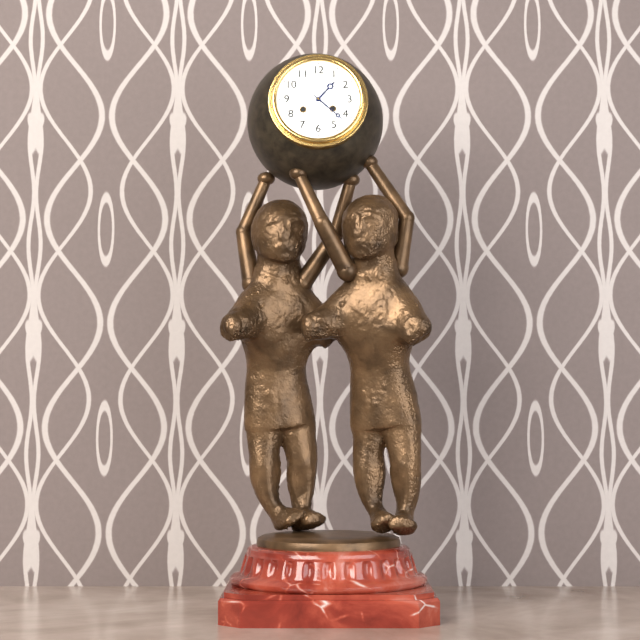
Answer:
1:22
